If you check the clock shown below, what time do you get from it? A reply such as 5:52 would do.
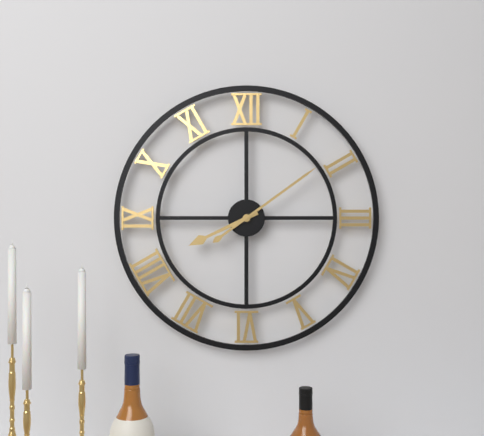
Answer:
8:09
